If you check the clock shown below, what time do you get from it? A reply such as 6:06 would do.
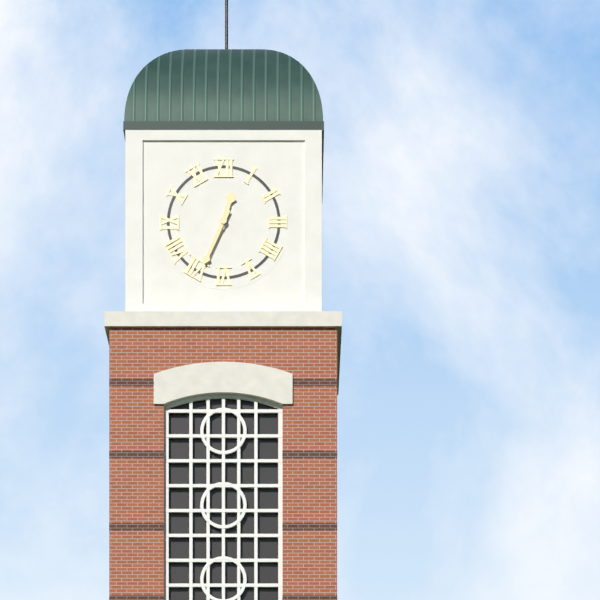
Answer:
12:34
